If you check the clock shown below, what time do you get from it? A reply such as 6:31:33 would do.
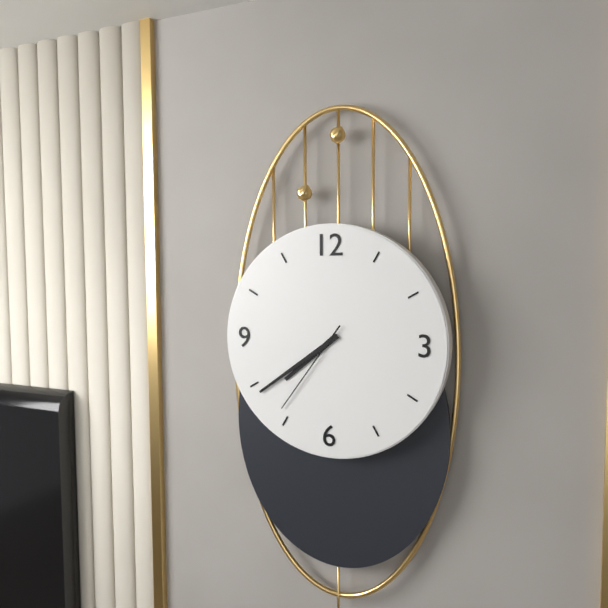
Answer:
7:39:36
